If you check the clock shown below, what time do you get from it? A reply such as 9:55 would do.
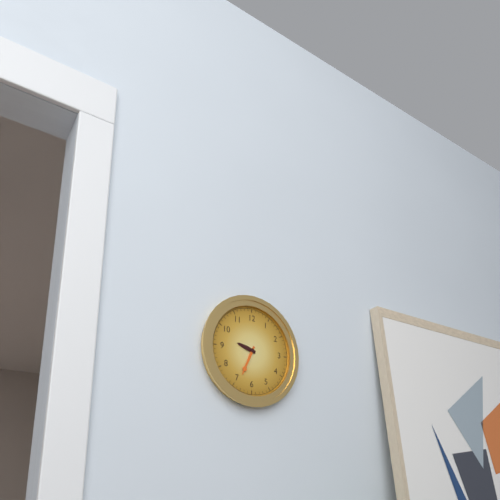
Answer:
9:34
